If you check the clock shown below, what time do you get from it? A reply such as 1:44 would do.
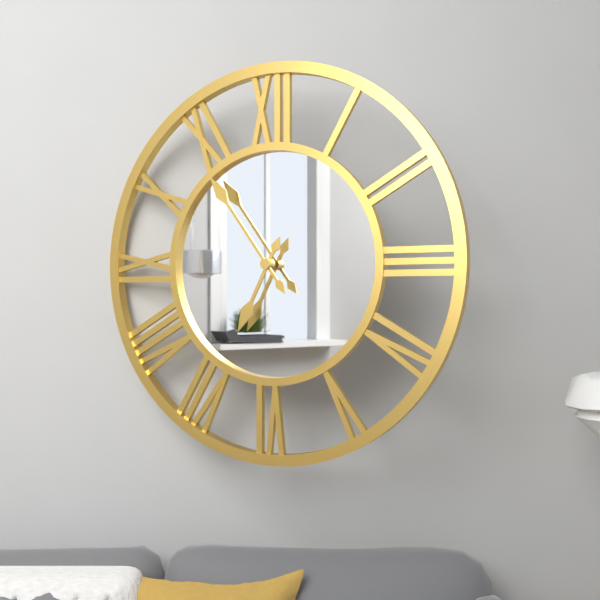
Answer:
6:54
